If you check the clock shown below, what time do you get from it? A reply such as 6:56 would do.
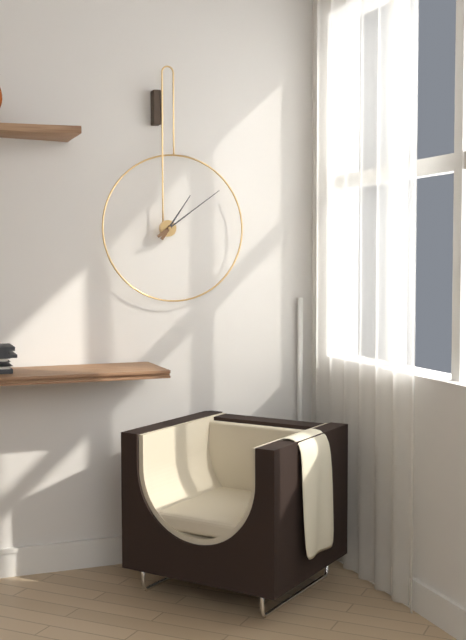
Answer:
1:09
